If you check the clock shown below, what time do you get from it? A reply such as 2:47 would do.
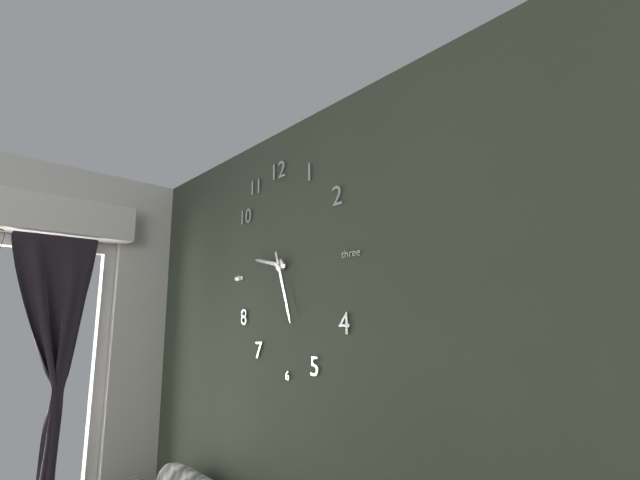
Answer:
9:27
